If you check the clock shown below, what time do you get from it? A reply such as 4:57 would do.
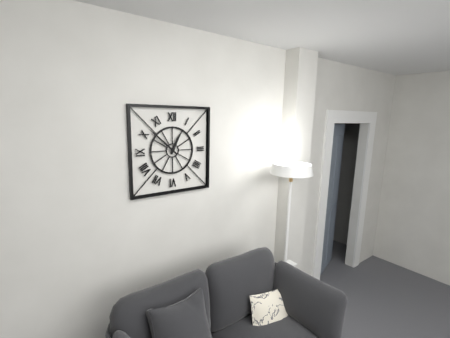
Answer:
12:52
